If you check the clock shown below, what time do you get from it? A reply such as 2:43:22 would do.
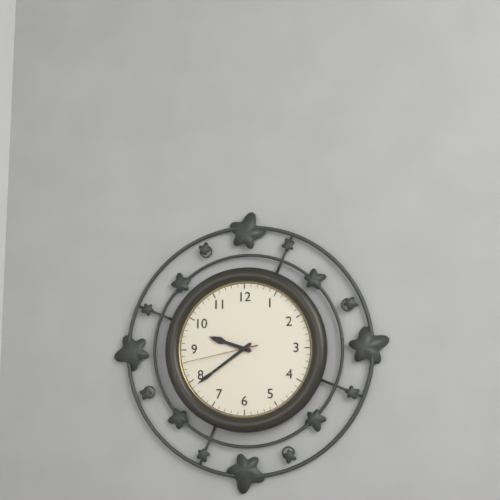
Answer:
9:39:43
